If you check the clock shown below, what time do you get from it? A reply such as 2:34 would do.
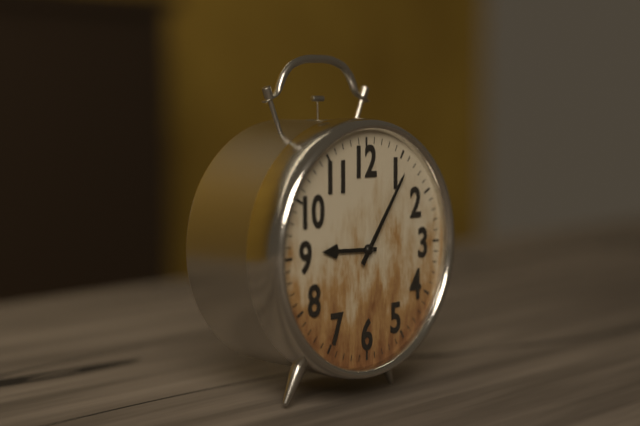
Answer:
9:06
